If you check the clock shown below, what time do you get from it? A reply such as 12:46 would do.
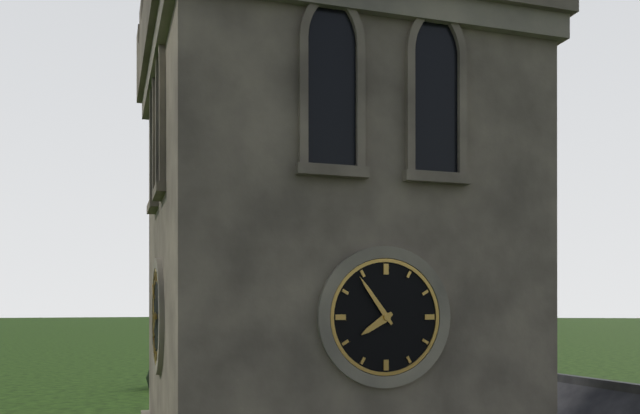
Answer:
7:54
